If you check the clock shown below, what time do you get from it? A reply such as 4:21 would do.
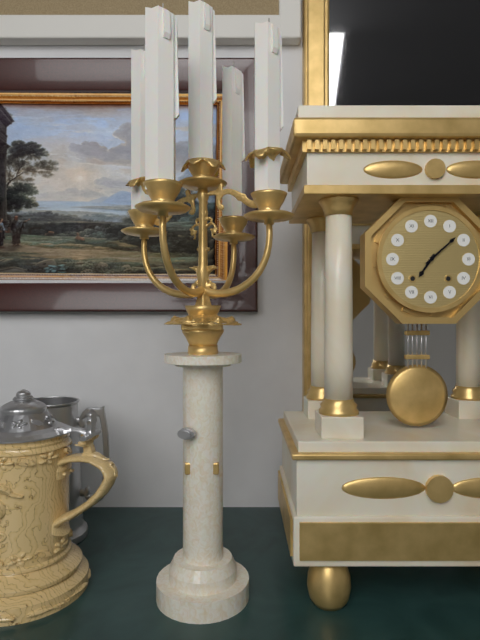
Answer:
7:08
